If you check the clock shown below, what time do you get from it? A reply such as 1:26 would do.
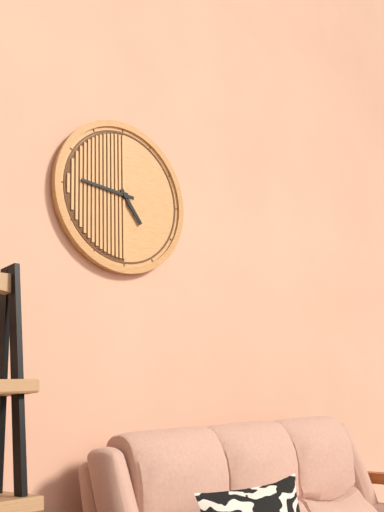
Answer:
4:46
